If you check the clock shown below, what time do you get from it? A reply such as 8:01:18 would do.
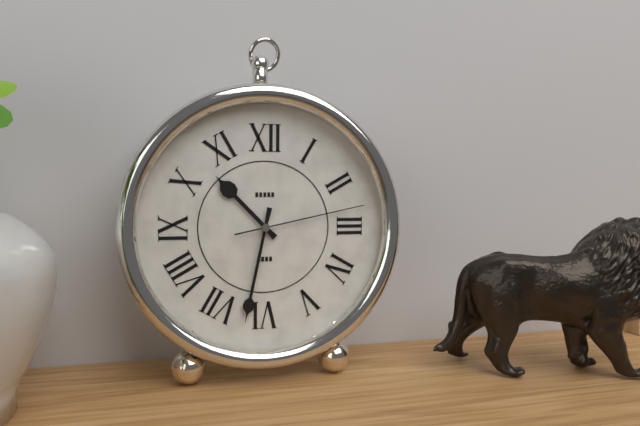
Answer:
10:32:13
